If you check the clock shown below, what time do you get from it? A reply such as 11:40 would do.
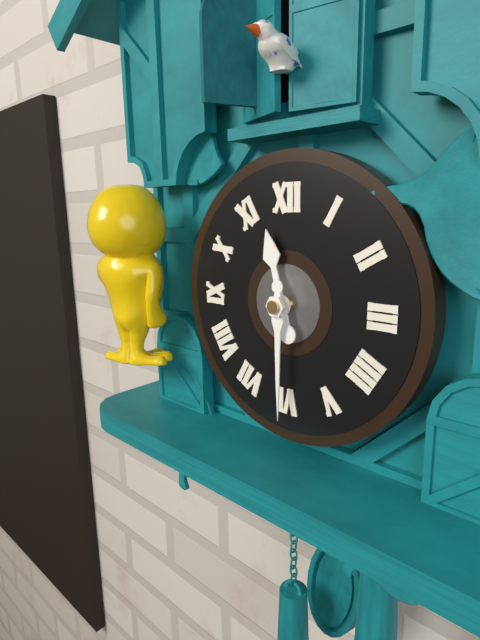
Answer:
11:30
